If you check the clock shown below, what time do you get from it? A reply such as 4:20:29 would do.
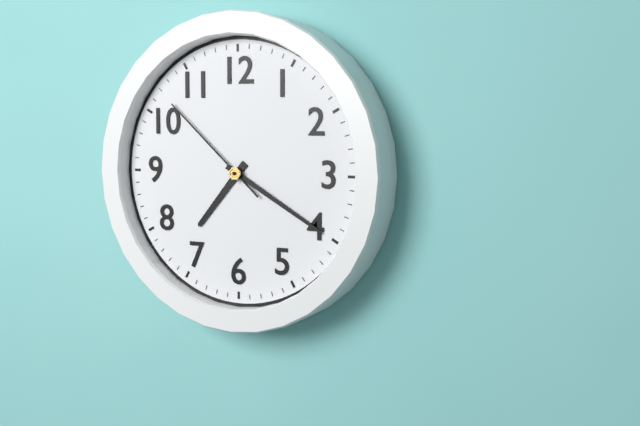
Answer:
7:20:52
